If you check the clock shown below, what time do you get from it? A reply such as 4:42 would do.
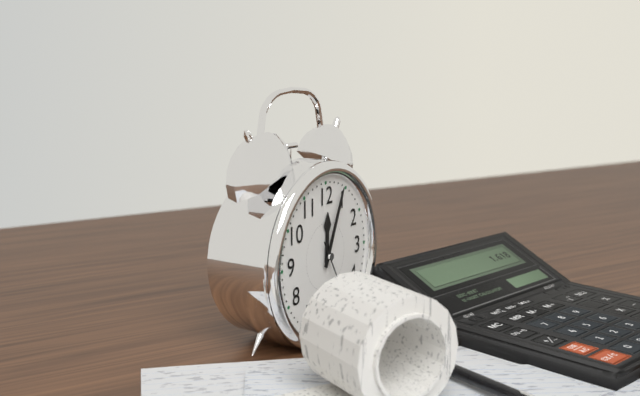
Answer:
12:04
